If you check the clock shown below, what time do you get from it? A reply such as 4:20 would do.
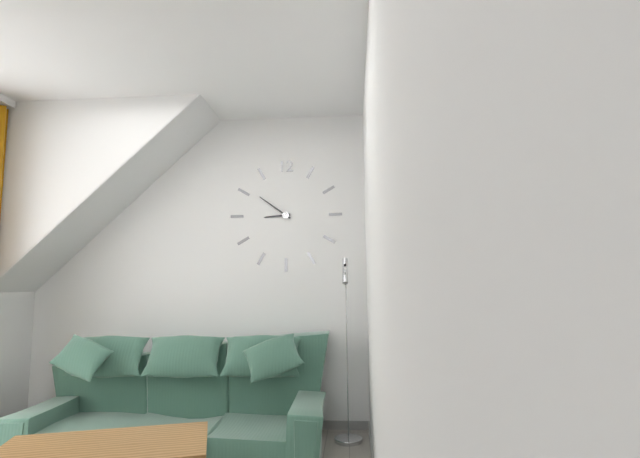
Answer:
8:51
